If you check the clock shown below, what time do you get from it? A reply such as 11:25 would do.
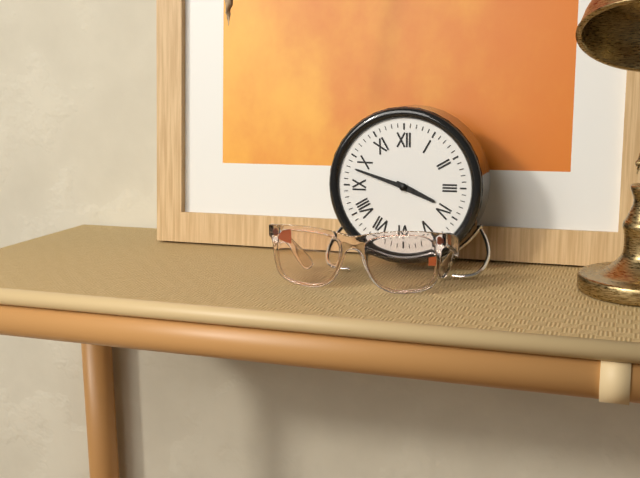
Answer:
3:48
